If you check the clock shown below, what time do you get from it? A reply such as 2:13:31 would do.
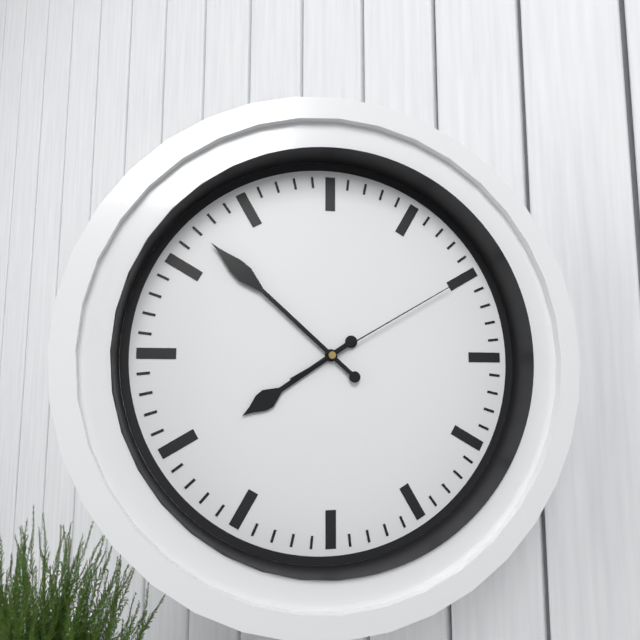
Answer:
7:52:10
